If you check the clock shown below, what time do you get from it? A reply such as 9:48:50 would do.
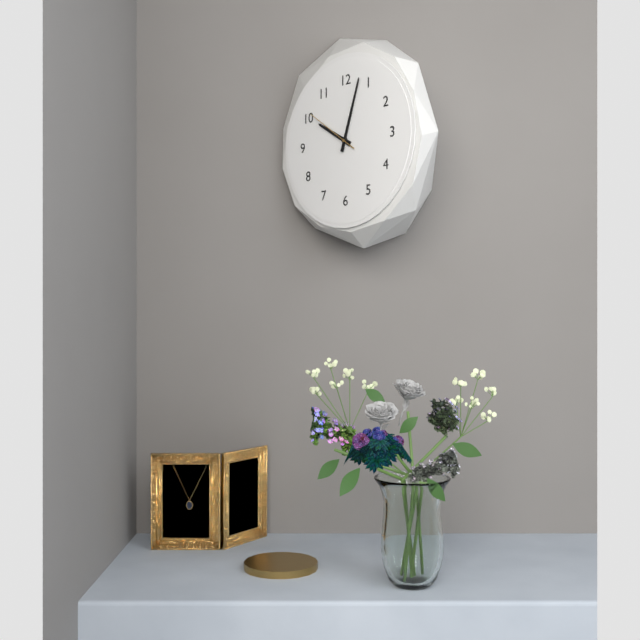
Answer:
10:03:51
